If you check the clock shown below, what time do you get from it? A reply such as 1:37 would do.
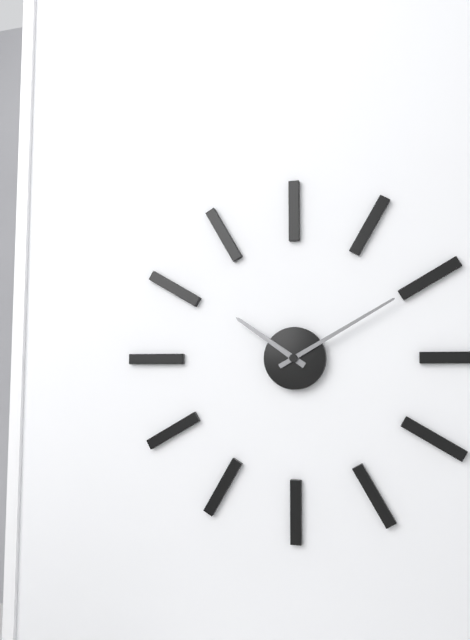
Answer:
10:10
